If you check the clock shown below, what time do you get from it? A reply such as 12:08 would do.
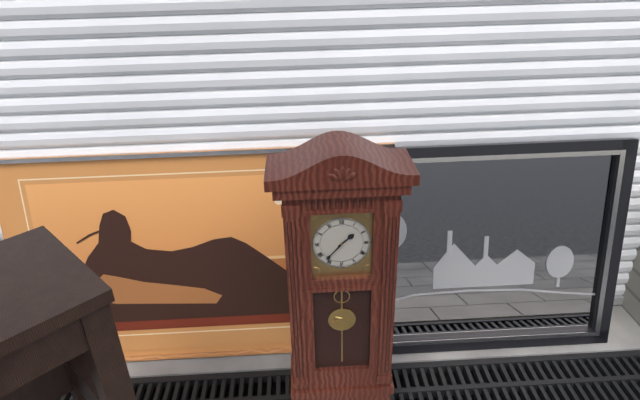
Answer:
1:37
